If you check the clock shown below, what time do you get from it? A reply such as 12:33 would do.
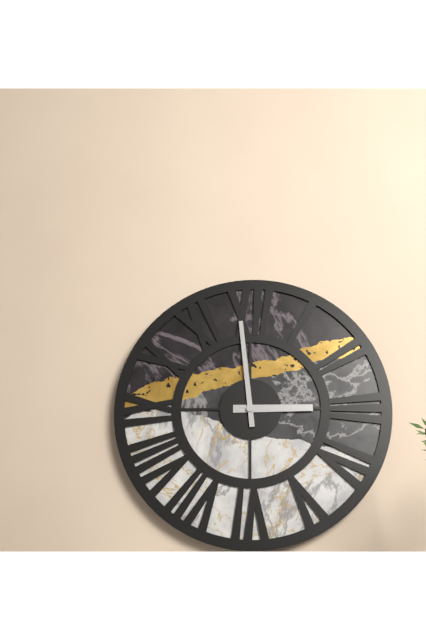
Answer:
2:59
